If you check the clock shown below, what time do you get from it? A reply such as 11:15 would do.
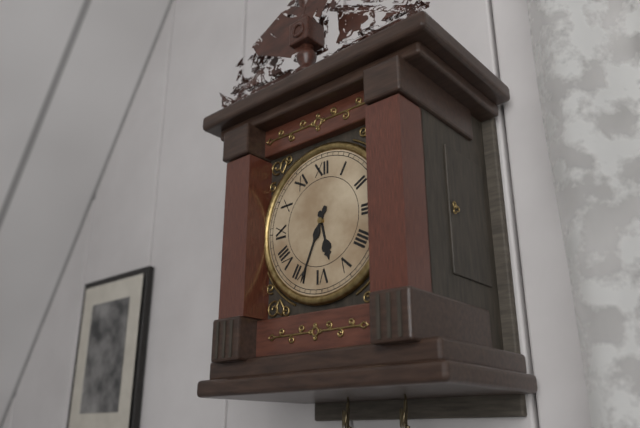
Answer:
5:34
